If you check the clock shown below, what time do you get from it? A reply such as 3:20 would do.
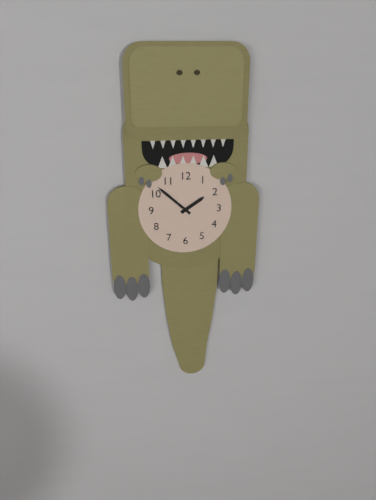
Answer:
1:52
